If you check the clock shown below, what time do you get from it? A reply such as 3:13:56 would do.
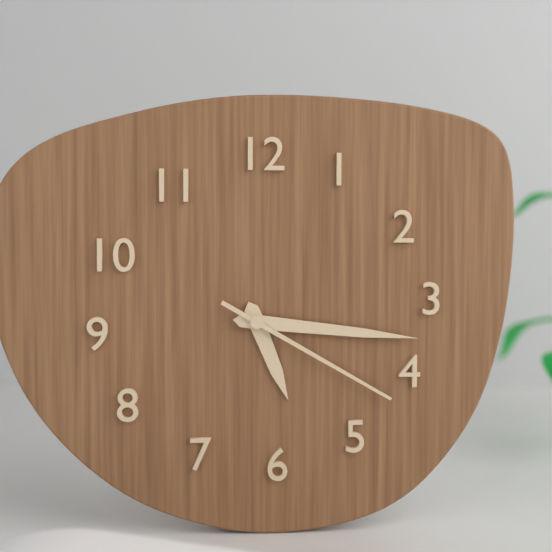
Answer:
5:16:20
